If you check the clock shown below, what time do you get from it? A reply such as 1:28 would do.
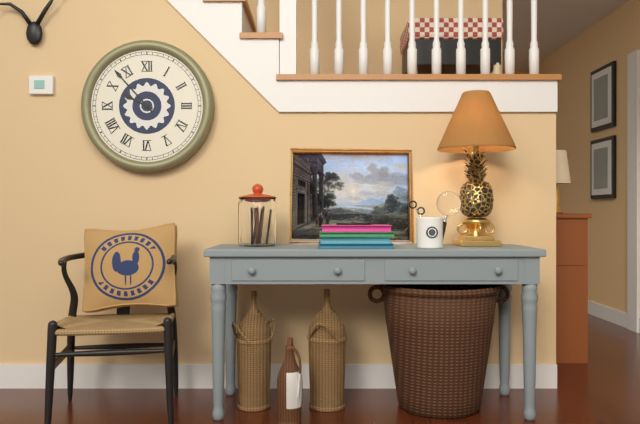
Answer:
9:53
